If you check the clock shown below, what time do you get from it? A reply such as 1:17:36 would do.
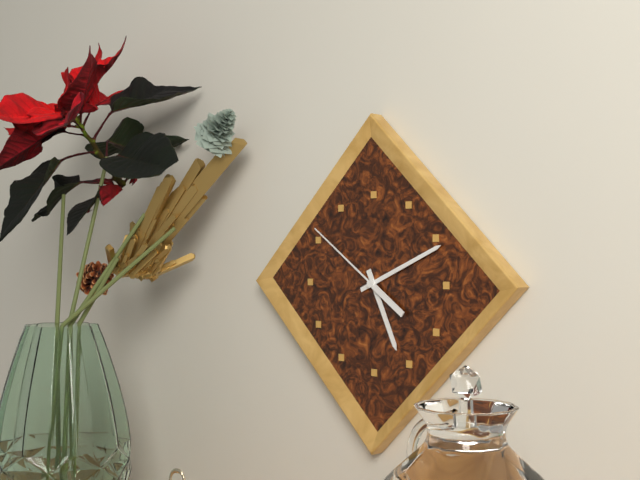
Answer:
5:11:51
